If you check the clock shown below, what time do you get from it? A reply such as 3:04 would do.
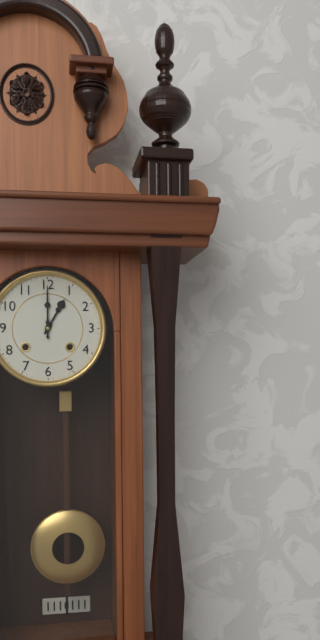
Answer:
1:00
